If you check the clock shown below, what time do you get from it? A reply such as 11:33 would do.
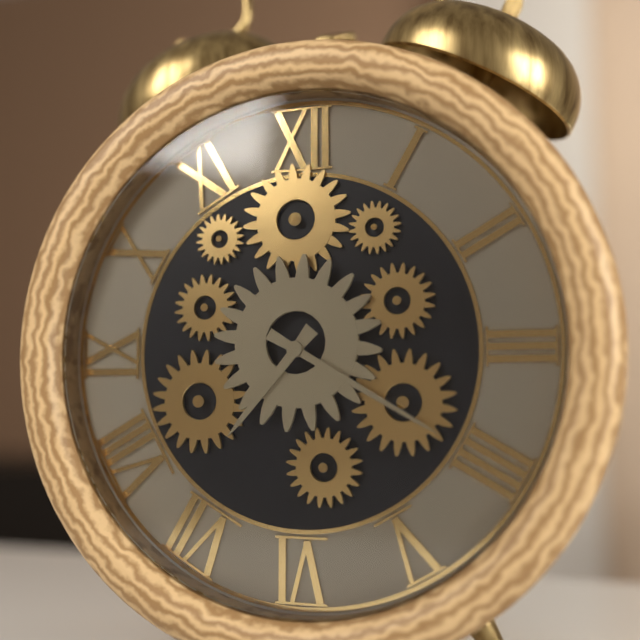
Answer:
7:20
